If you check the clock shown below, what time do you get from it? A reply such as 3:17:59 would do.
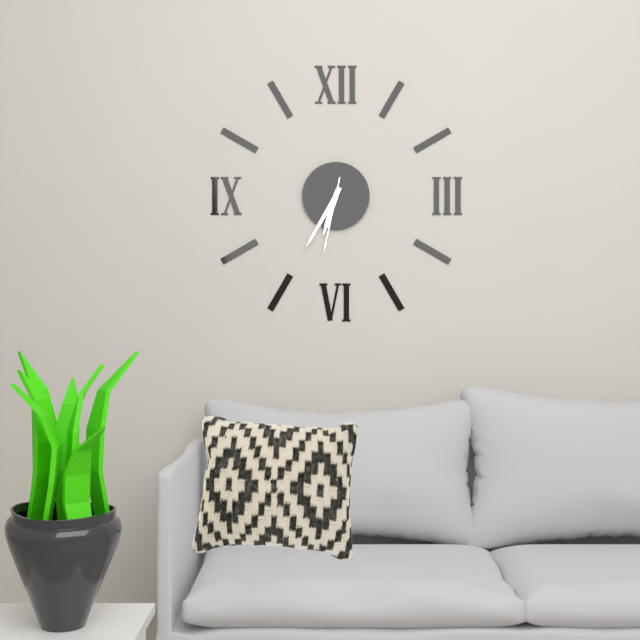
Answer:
6:35:32
